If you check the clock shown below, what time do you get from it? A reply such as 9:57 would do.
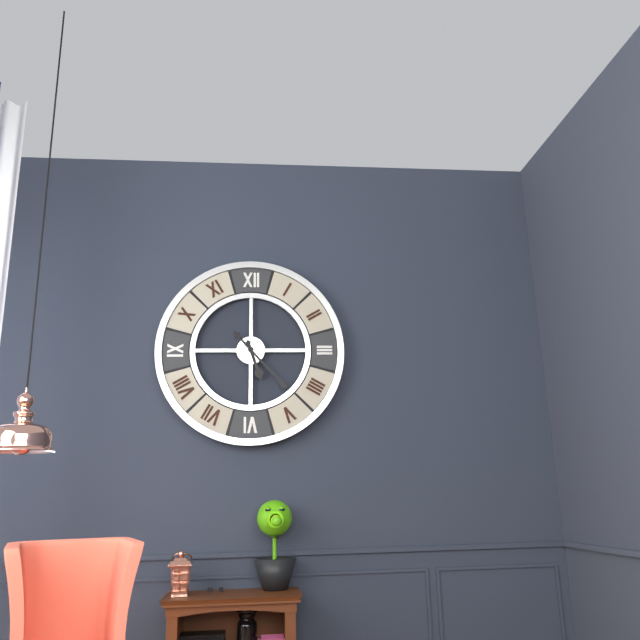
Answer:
5:23
